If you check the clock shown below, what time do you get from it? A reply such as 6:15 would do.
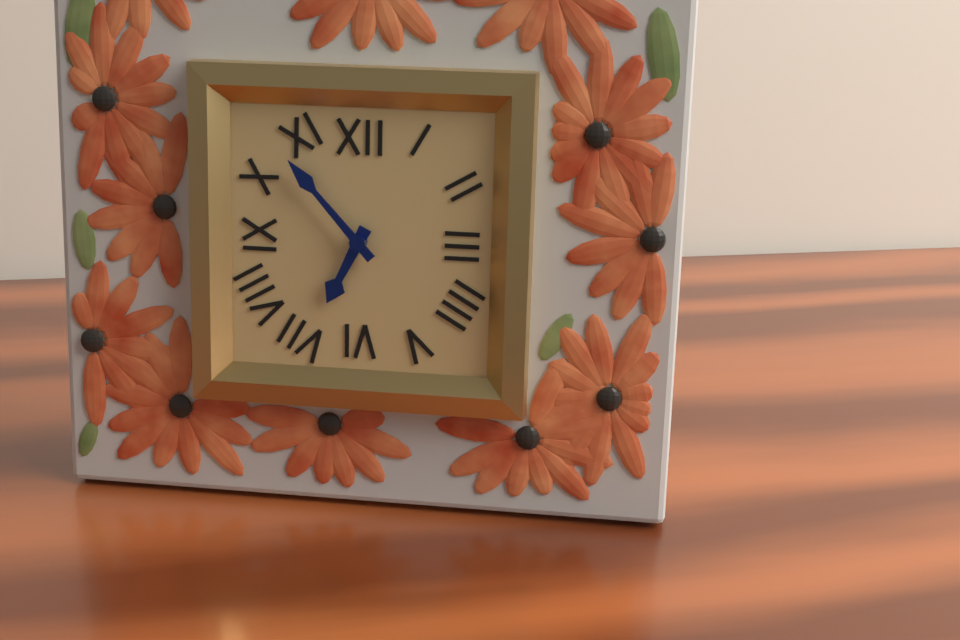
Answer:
6:53
